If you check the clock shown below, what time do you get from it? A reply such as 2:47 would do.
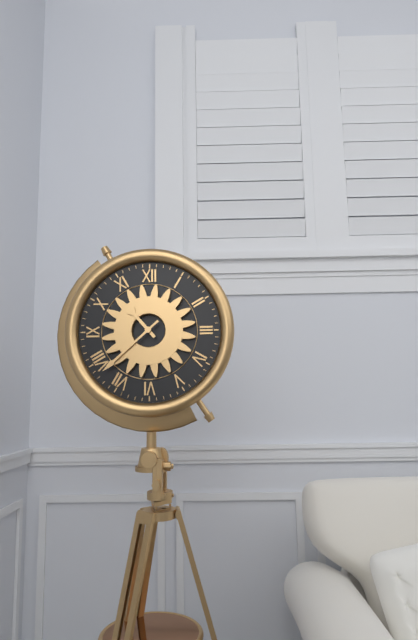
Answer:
10:38
